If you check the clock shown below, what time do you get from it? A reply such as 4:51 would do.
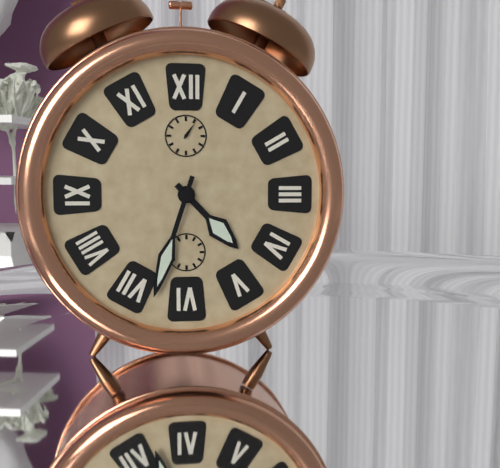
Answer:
4:33
